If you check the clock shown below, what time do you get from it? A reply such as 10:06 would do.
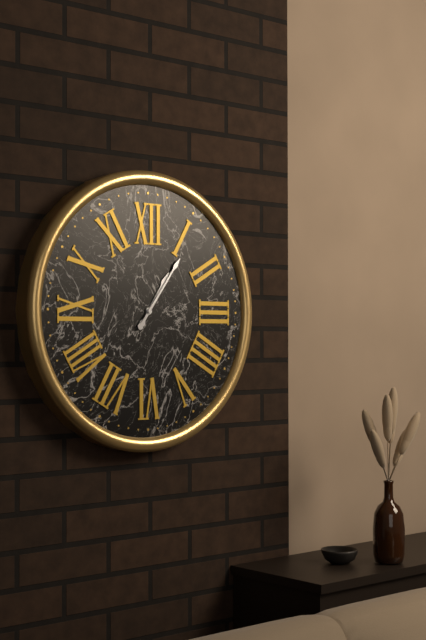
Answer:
1:06
